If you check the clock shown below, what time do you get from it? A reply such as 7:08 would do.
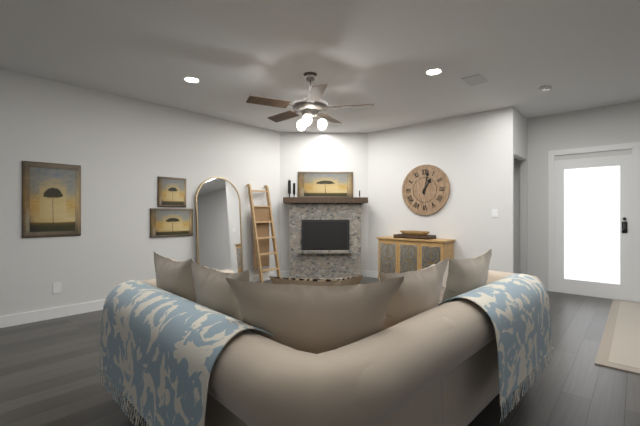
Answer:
1:02
